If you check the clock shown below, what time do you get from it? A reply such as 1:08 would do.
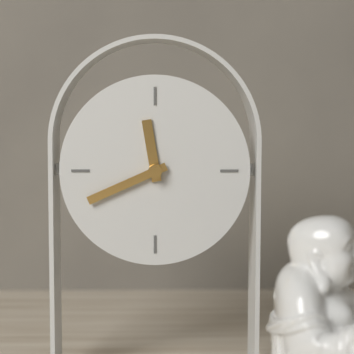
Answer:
11:41
